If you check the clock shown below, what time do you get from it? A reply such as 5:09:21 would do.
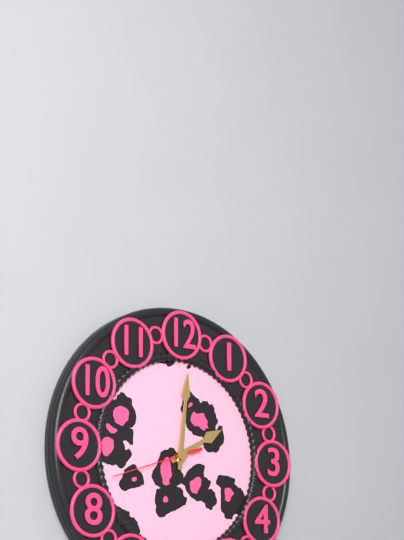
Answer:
2:01:42
